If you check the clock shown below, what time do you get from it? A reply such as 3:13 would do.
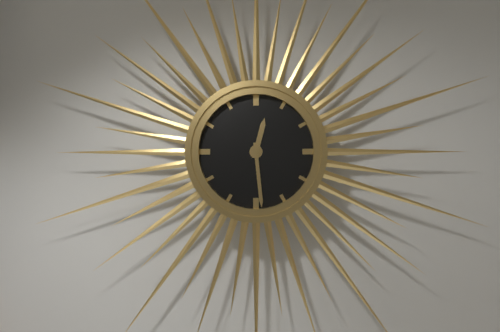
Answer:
12:29
